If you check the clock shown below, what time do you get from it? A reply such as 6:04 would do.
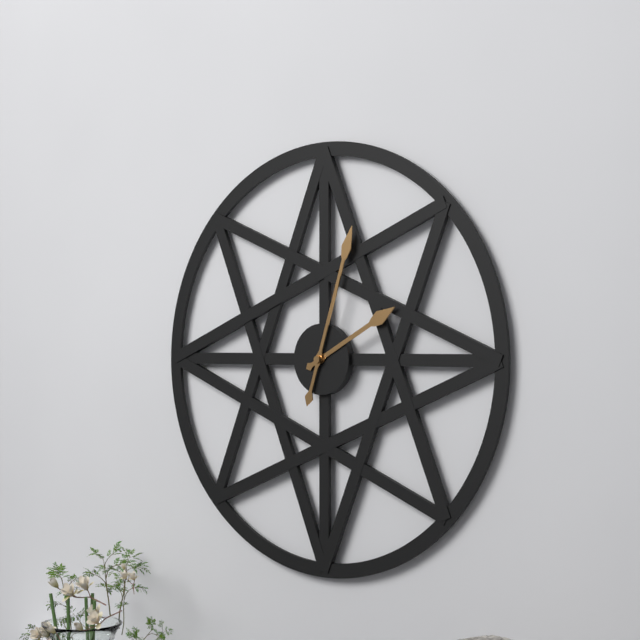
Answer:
2:03
